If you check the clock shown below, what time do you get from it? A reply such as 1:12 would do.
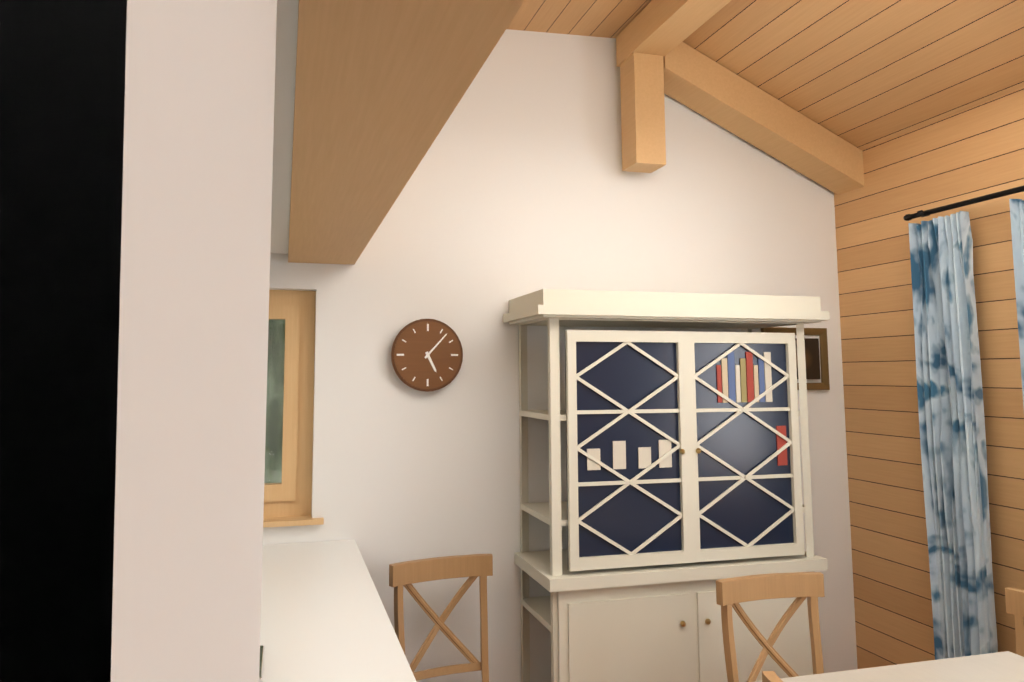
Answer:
5:07
